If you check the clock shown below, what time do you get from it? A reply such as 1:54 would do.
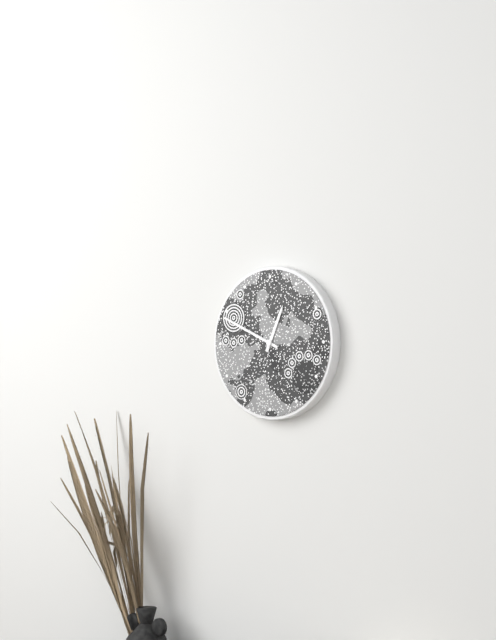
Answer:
12:49
